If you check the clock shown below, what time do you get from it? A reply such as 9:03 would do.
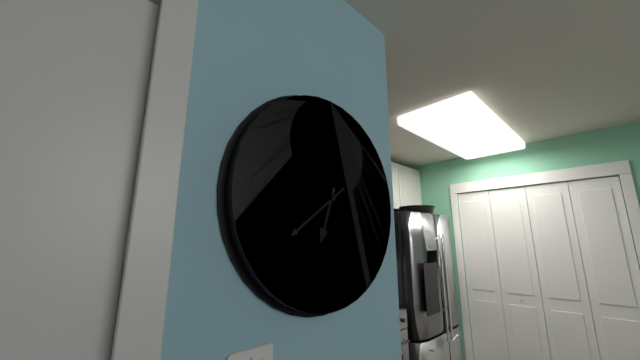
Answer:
6:39
